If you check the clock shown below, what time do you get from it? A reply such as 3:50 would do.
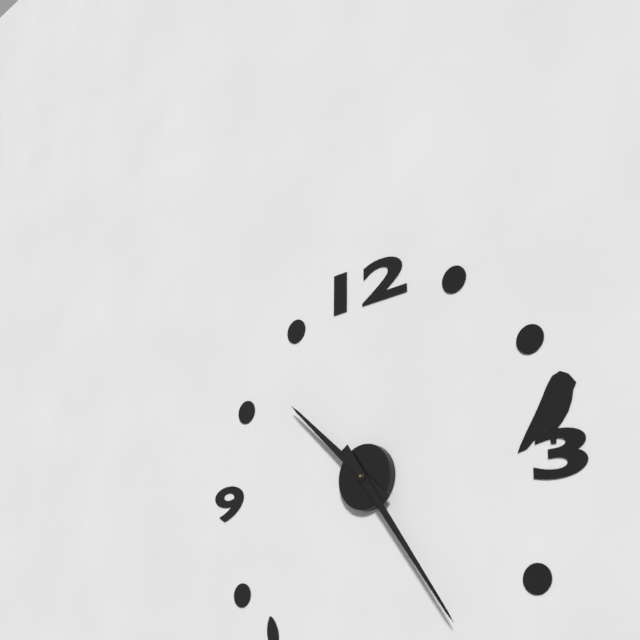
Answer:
10:24
